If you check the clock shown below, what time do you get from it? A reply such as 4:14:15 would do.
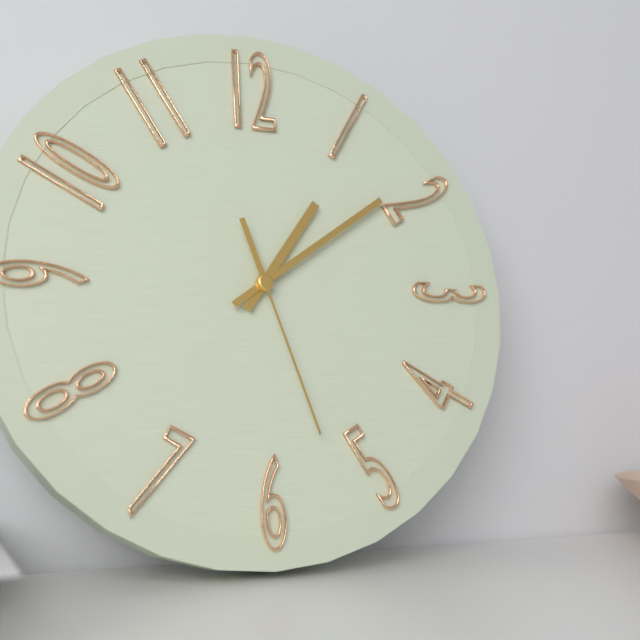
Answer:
1:09:27
